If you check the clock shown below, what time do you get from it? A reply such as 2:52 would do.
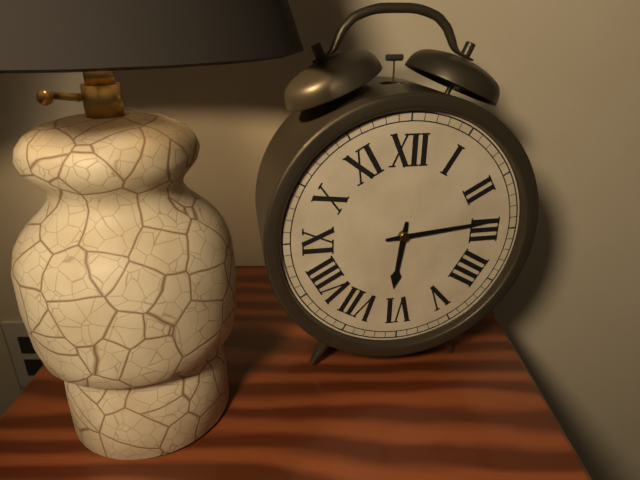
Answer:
6:14
